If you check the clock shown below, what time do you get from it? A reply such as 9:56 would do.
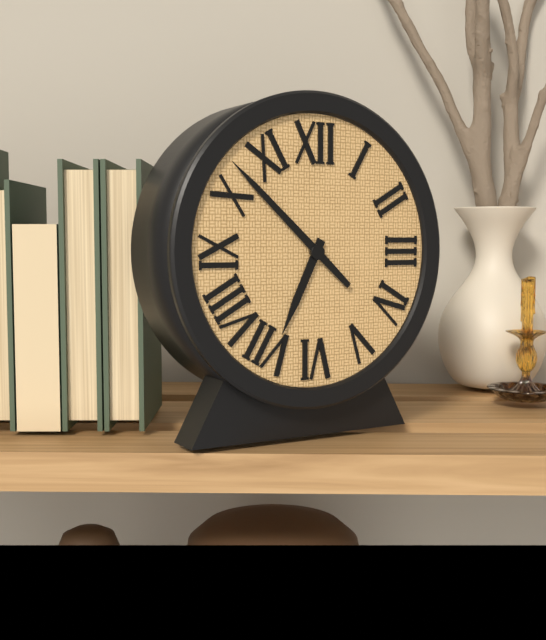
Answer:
6:52
